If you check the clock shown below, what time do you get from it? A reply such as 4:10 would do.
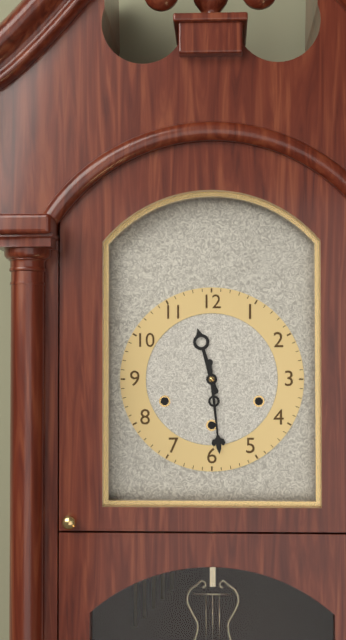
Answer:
11:29
